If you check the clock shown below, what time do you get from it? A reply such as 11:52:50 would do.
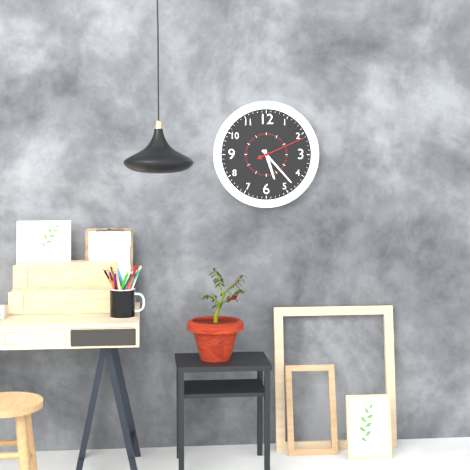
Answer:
5:23:11
